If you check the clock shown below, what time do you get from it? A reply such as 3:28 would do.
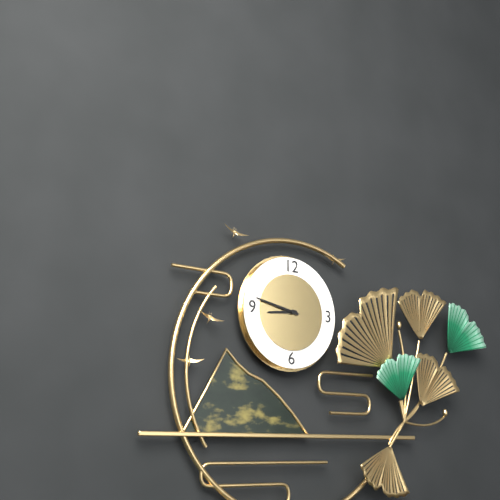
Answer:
8:47
